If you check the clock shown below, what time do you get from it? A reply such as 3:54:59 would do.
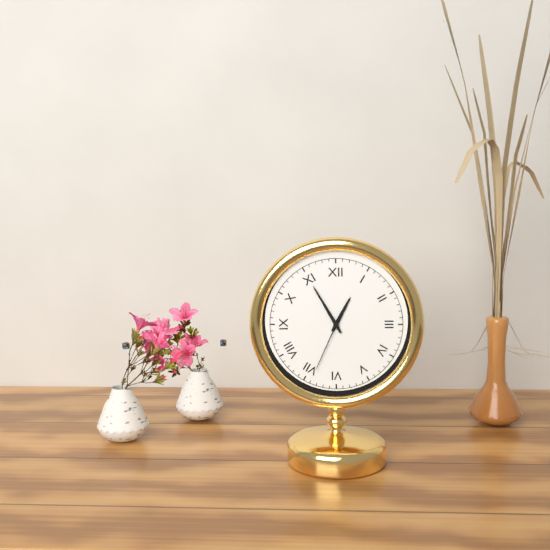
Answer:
12:55:34
